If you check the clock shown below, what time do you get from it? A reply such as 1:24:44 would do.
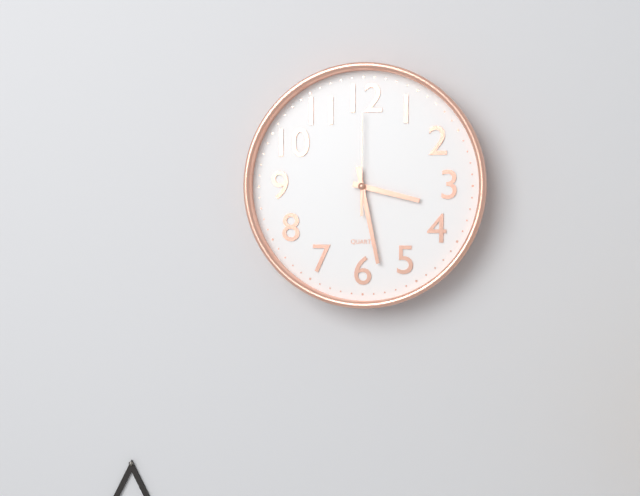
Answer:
3:28:00
